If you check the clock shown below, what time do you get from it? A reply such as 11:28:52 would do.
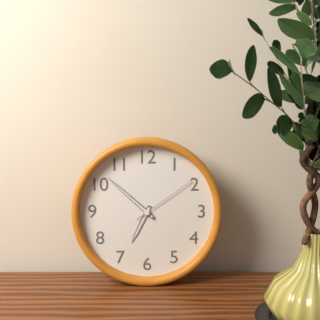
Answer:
6:52:09
